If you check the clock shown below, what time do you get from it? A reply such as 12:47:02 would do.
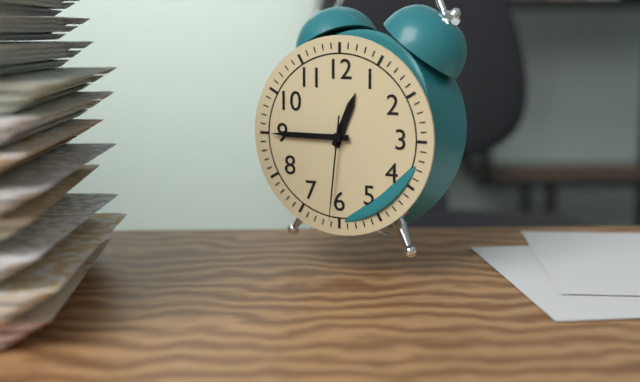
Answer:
12:45:31
